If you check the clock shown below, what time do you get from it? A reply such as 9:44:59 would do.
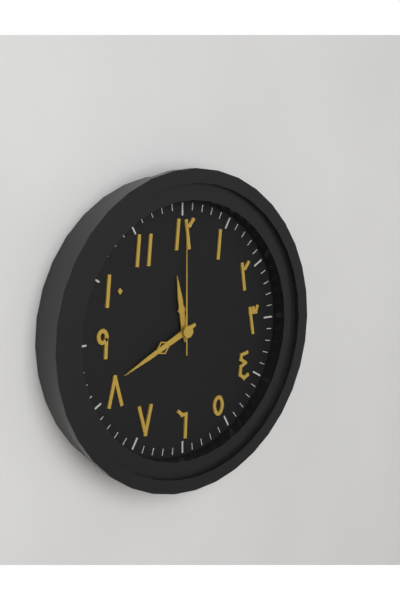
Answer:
11:41:00
